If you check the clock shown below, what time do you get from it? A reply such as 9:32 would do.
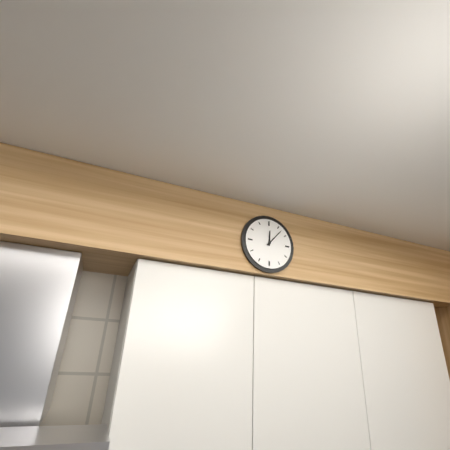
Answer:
12:07
